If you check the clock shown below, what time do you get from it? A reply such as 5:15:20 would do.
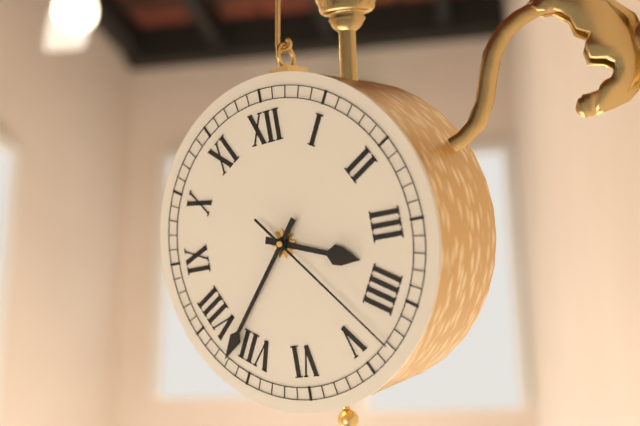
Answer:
3:37:23
